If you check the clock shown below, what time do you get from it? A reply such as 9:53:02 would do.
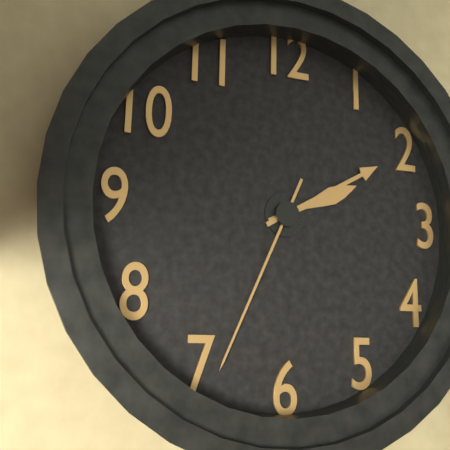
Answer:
2:10:34
